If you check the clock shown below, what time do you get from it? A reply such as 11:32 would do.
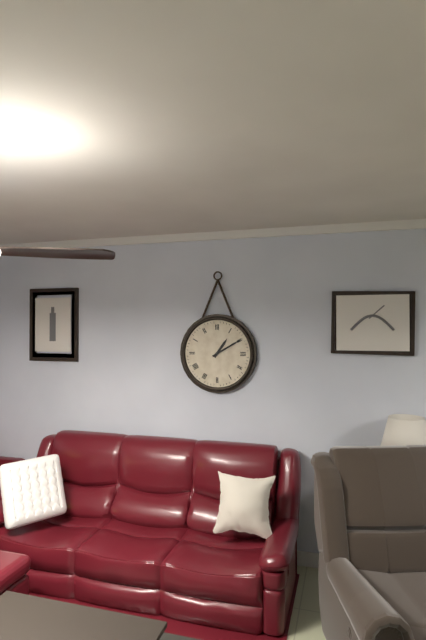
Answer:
1:10
